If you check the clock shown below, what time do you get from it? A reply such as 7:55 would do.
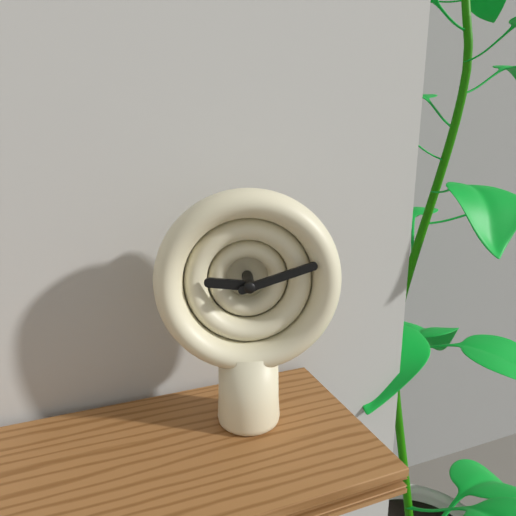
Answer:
9:12
